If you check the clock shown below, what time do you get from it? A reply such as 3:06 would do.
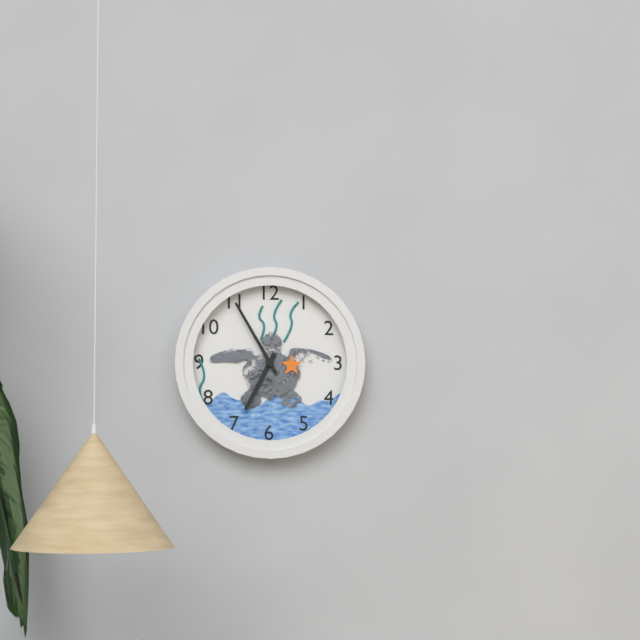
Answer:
6:55
